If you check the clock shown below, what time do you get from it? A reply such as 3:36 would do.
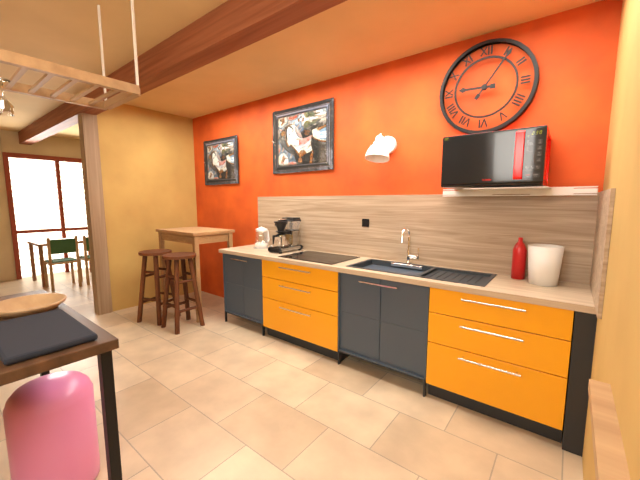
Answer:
9:06
